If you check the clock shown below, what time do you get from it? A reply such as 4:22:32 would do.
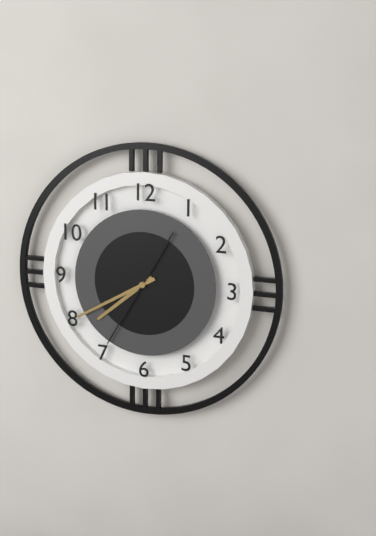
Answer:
7:40:35
